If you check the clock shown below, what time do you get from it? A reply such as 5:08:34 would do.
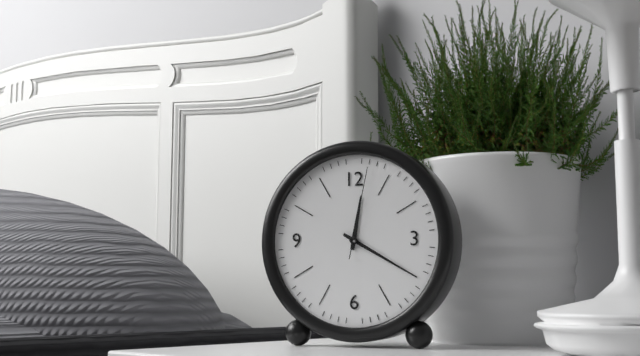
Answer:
12:20:02
